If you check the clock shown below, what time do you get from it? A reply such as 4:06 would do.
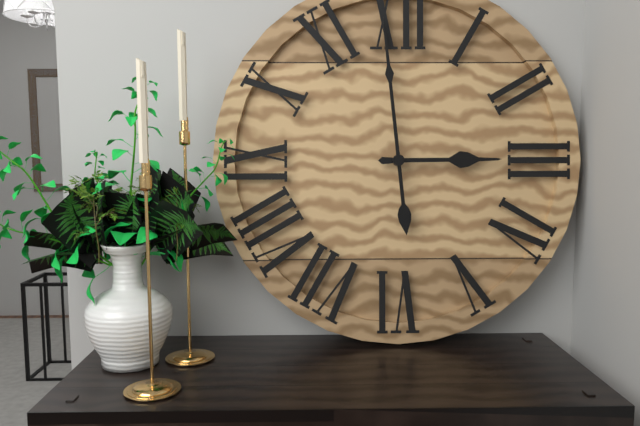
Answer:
2:59
